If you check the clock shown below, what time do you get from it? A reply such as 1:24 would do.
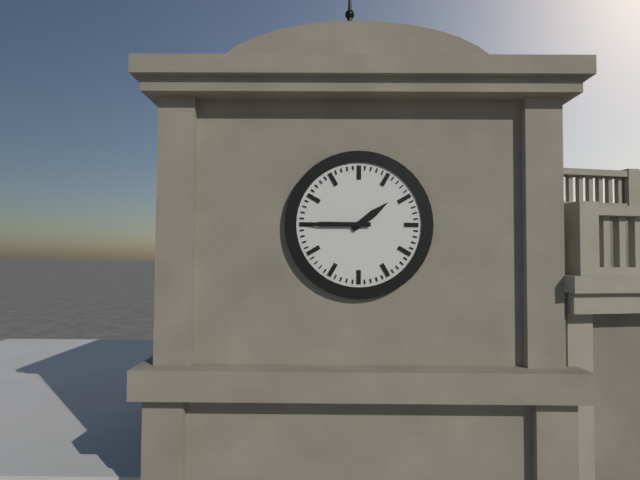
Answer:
1:45
